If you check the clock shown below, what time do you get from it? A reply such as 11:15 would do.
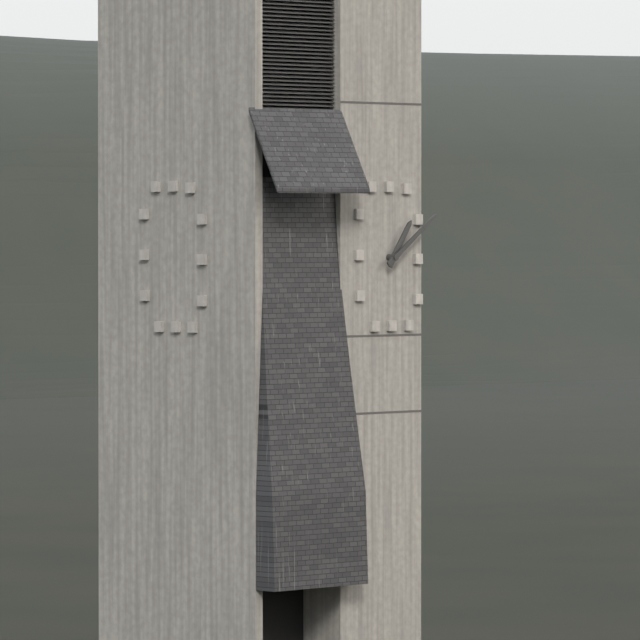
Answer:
1:09
